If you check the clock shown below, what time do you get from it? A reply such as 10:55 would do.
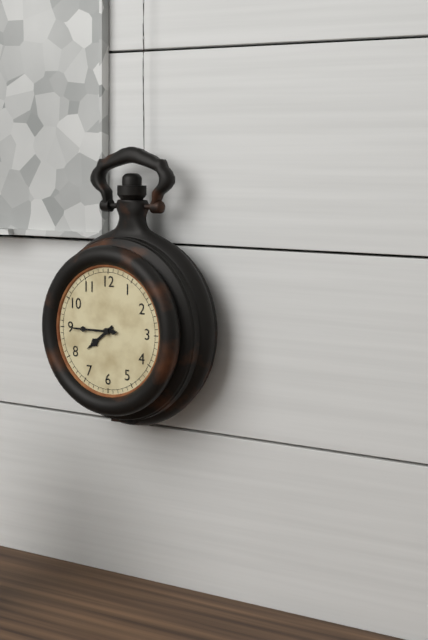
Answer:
7:45
